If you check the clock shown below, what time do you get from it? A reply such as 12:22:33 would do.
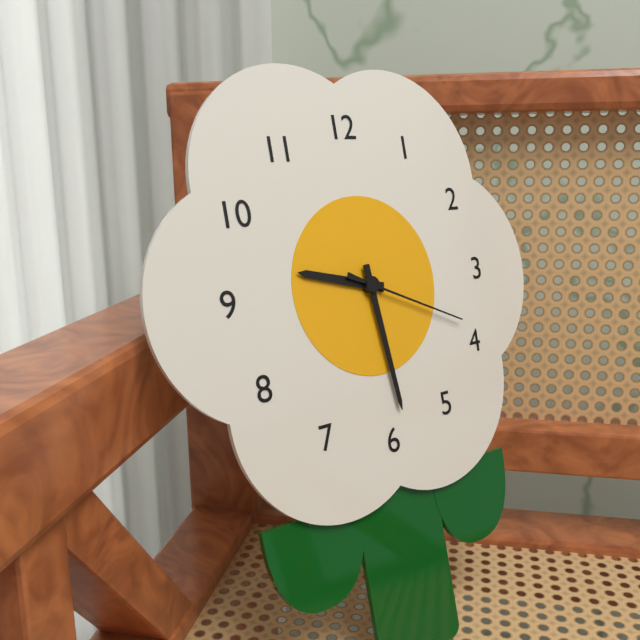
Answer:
9:29:19
